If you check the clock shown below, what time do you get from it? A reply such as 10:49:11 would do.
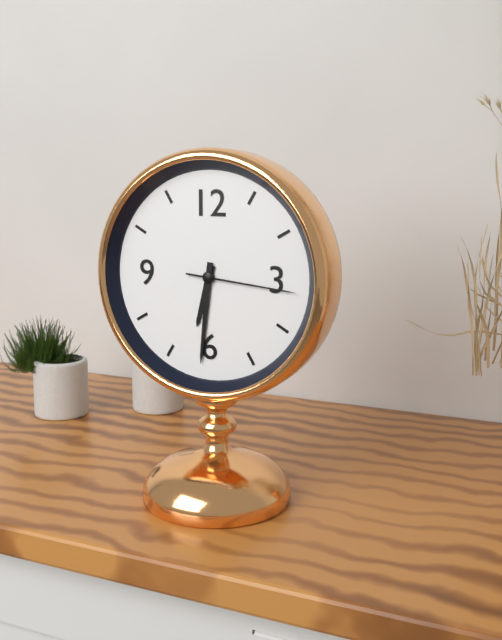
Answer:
6:31:16
